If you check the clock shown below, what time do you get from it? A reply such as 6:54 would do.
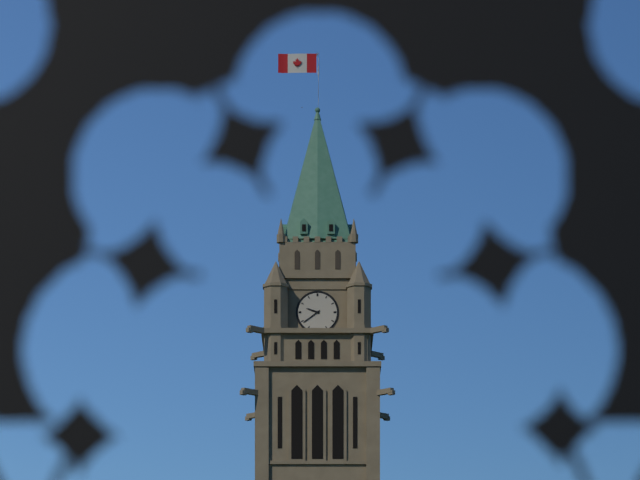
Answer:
9:39
